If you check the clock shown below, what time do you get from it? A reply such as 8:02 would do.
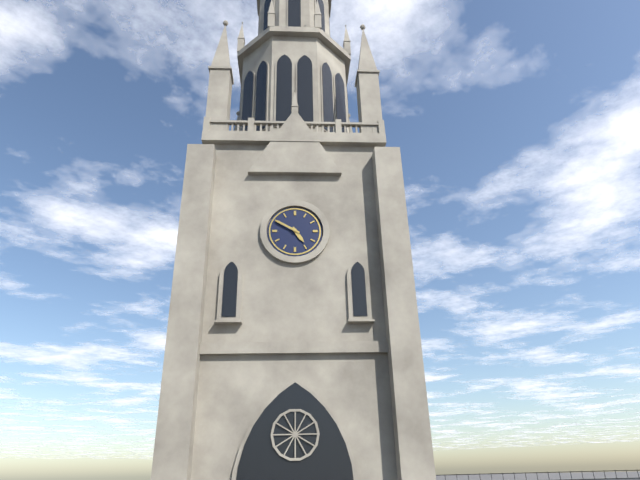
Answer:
4:50
